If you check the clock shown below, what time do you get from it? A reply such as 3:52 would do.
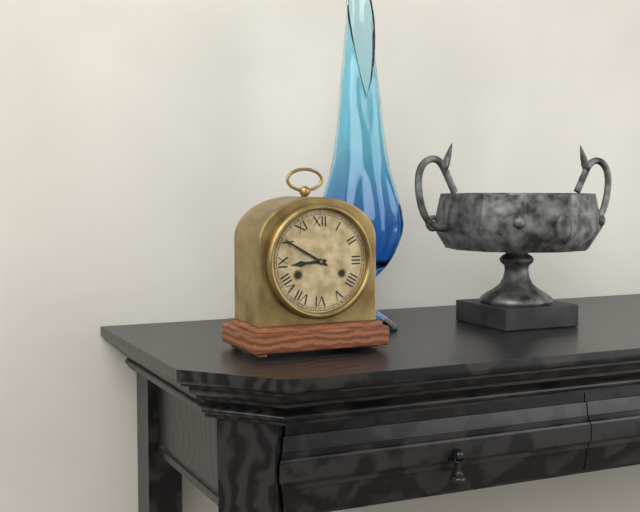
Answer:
8:50
